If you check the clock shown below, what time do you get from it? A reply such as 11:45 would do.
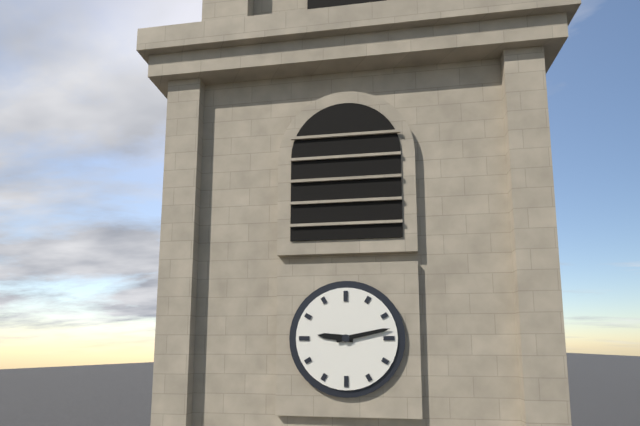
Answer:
9:13
